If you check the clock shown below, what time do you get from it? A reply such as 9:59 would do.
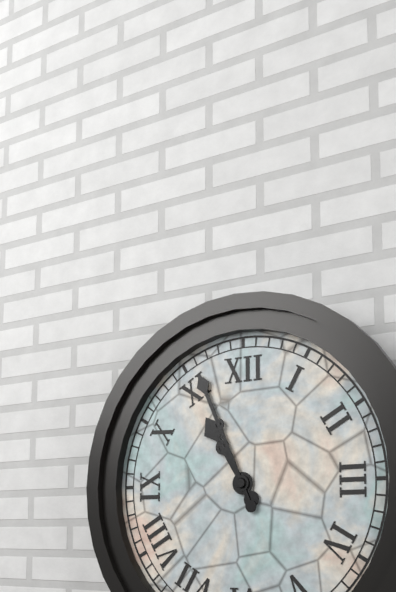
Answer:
10:56
